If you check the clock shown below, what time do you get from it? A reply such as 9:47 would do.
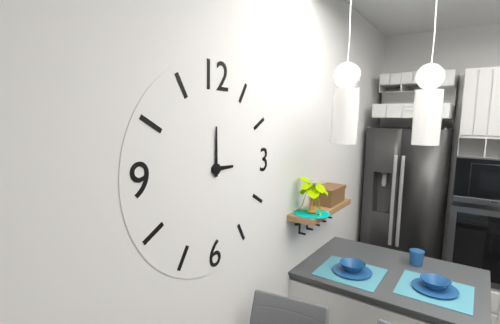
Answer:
3:00
